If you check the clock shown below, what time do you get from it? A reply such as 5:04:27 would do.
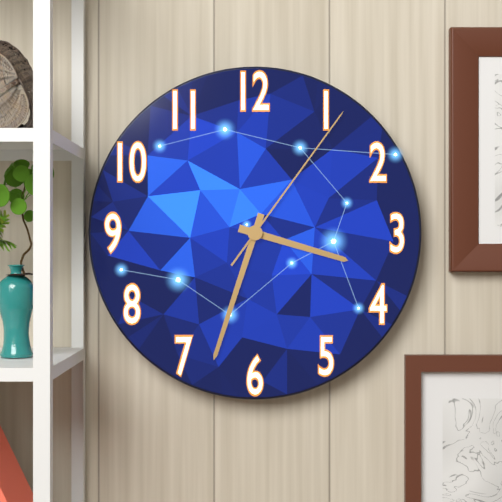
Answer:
3:33:06
